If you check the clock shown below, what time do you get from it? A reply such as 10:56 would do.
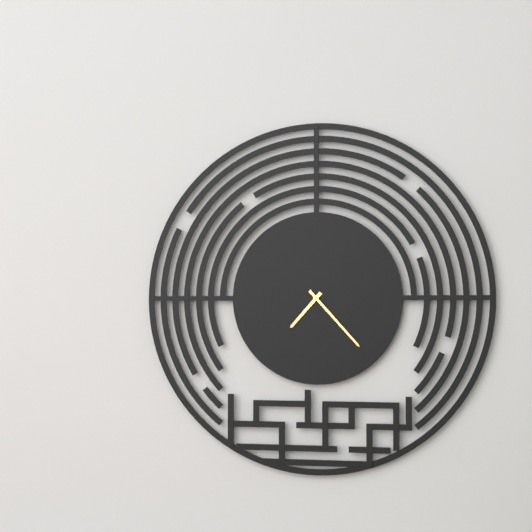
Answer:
7:23
